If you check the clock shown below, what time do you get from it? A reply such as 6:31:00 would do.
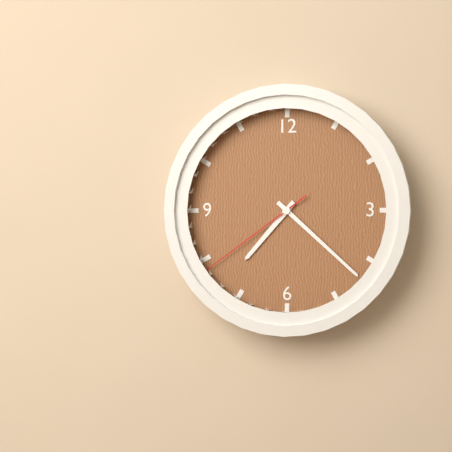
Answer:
7:22:39
